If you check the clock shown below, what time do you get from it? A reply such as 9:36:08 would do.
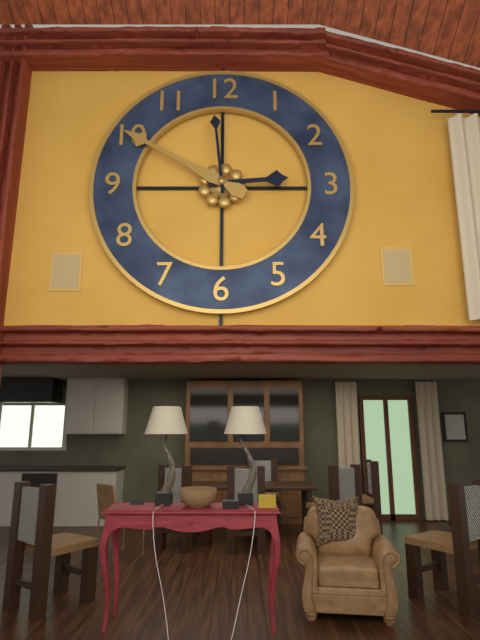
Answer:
2:50:59
